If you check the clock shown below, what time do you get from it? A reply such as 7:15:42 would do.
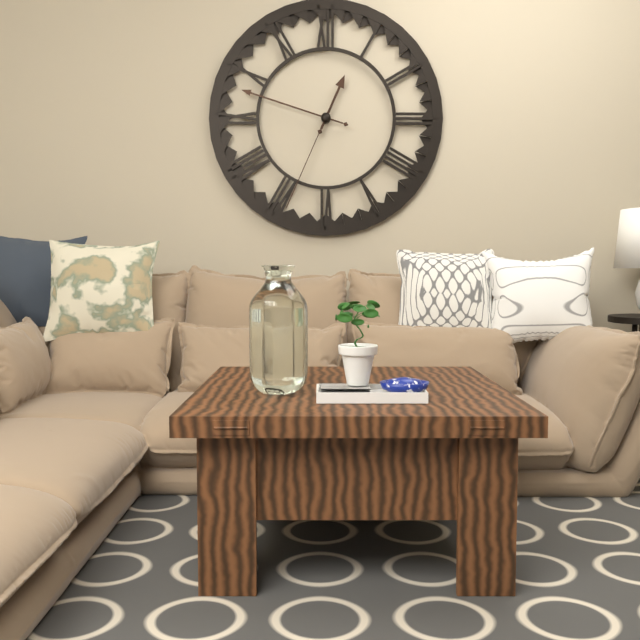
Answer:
12:48:34
